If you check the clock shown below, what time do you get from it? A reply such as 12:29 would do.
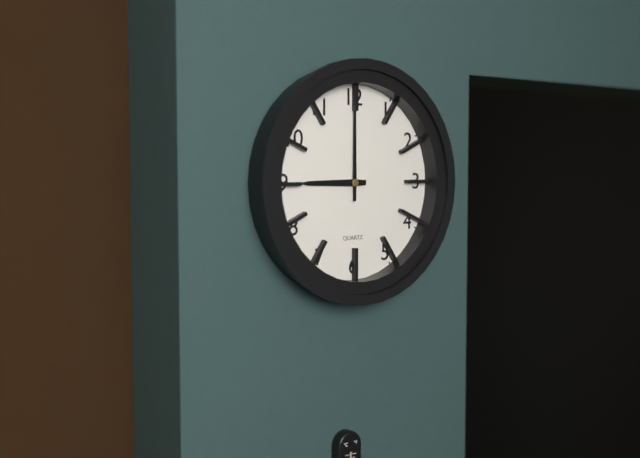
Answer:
9:00
